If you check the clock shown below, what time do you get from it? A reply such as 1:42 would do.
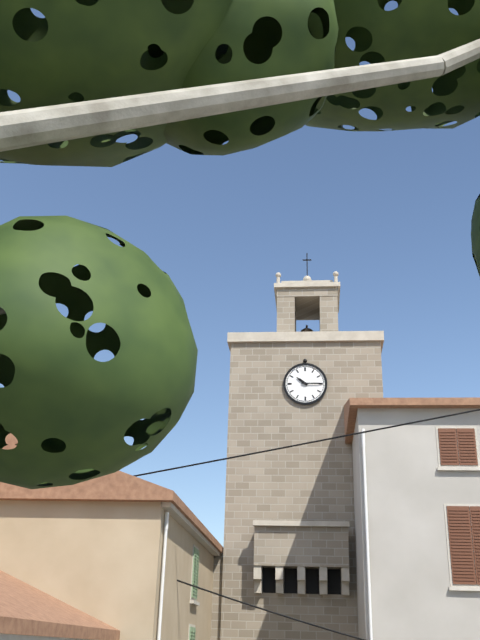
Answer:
10:15
